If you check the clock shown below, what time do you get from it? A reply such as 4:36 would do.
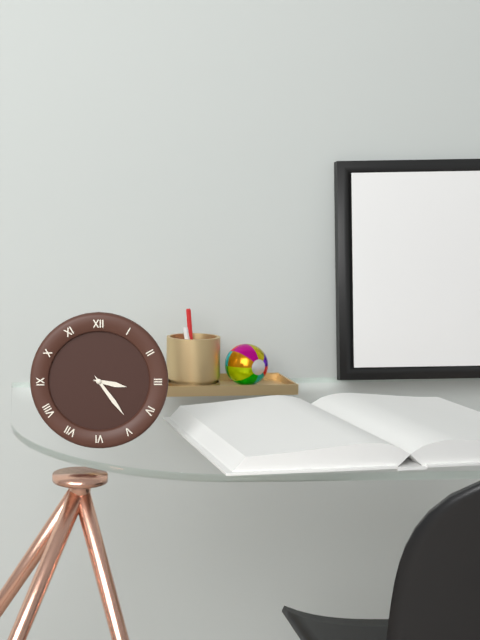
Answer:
3:24
